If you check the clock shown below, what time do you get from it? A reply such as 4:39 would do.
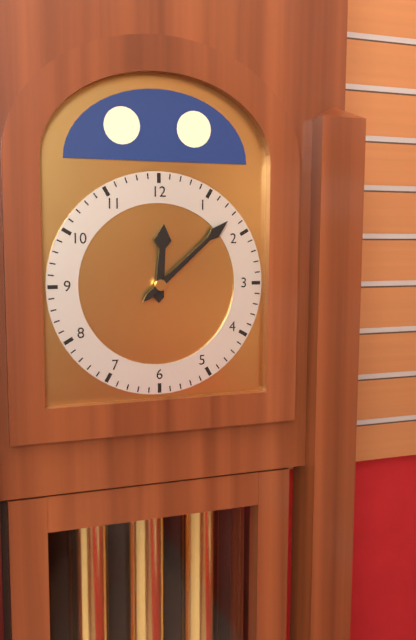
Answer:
12:08
